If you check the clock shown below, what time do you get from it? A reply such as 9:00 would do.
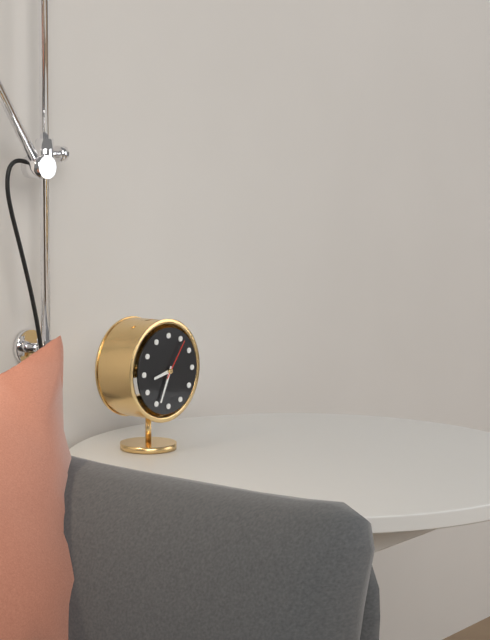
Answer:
8:34
